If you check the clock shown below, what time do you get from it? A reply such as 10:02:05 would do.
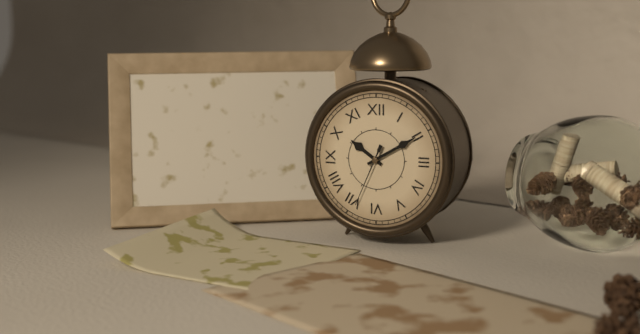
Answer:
10:10:34
